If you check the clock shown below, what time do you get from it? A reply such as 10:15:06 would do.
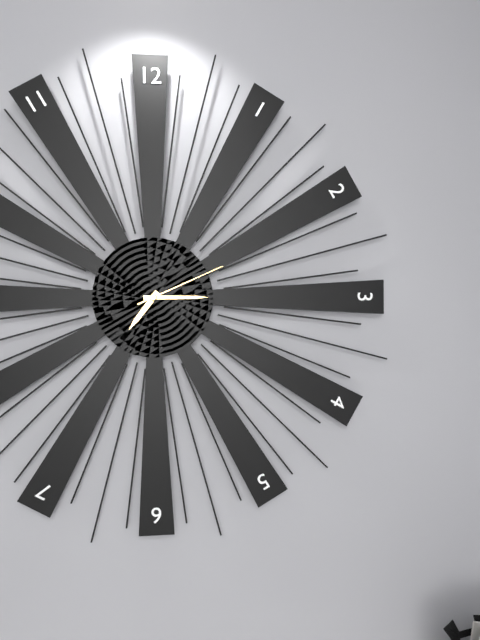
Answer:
7:15:11
